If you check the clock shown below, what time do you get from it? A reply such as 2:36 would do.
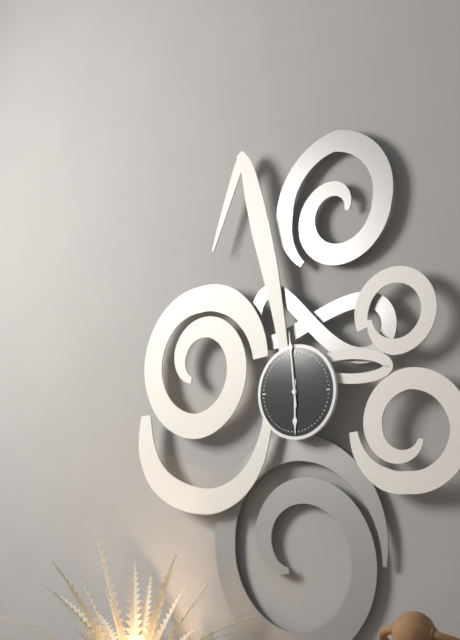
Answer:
5:59
